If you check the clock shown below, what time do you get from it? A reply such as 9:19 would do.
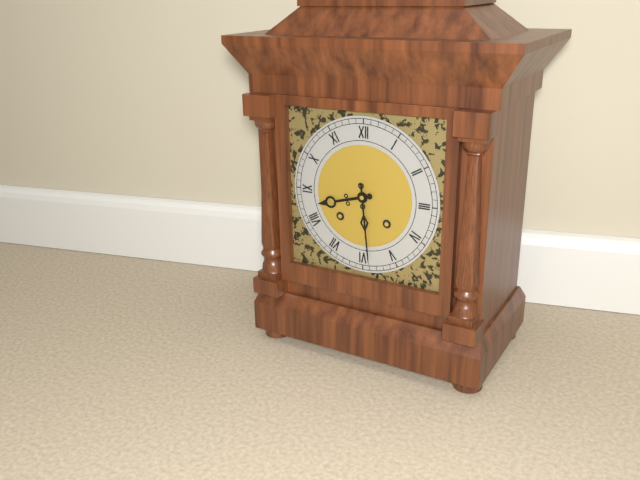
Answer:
8:29
